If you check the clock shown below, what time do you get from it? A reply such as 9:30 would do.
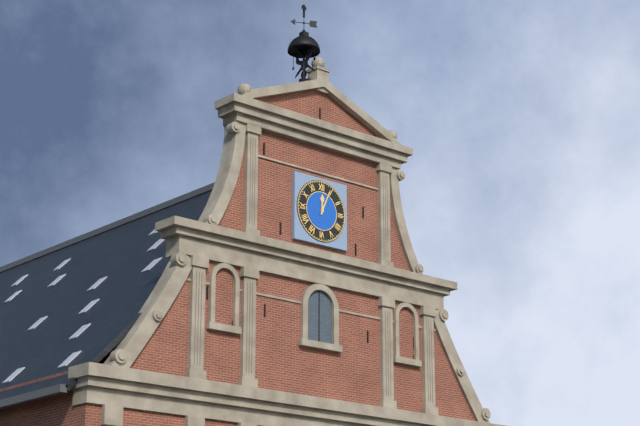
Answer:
12:04
